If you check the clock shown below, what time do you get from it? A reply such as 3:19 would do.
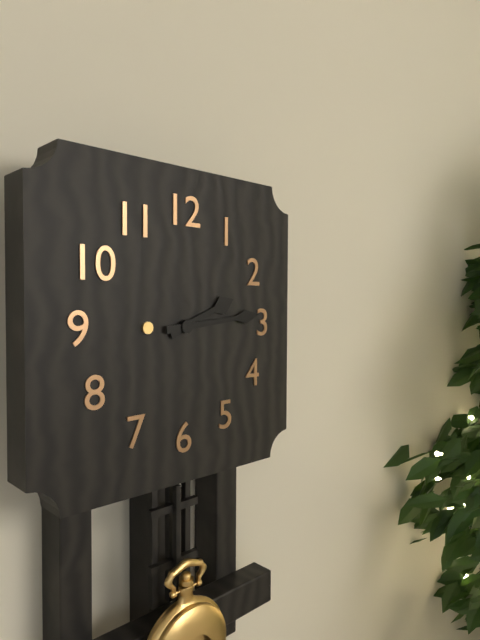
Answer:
2:14
